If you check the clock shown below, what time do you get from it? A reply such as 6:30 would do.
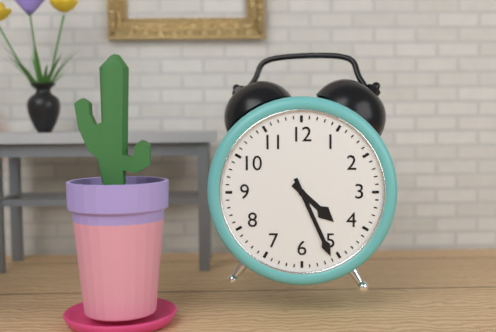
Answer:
4:26
